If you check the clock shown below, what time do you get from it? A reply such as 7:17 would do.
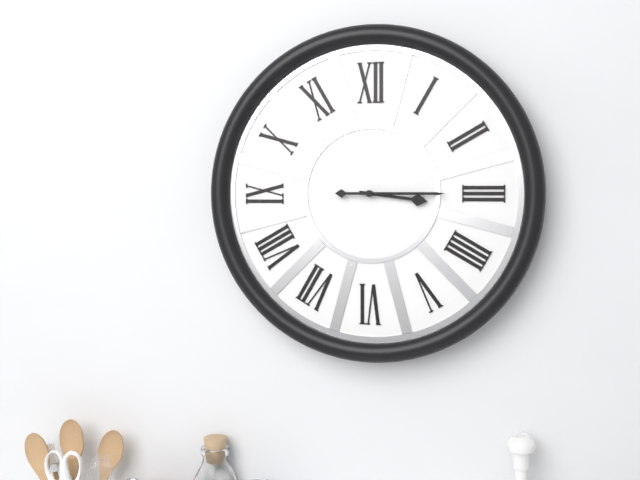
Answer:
3:15
